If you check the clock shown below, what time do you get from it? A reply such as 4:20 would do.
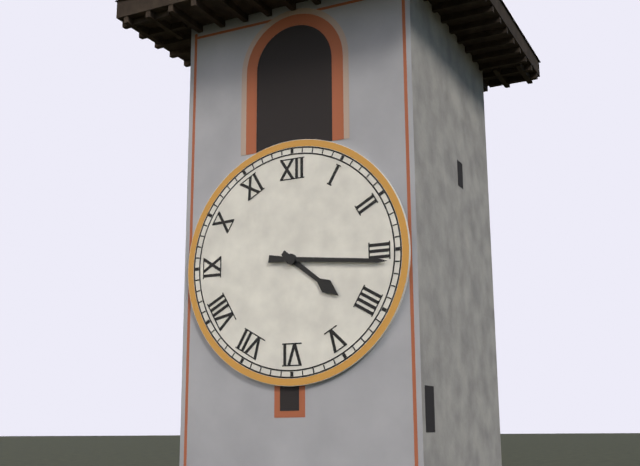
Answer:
4:16
